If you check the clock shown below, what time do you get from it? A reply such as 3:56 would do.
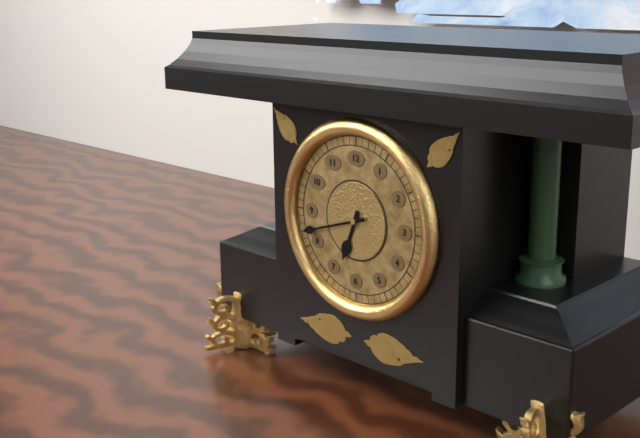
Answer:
6:42
